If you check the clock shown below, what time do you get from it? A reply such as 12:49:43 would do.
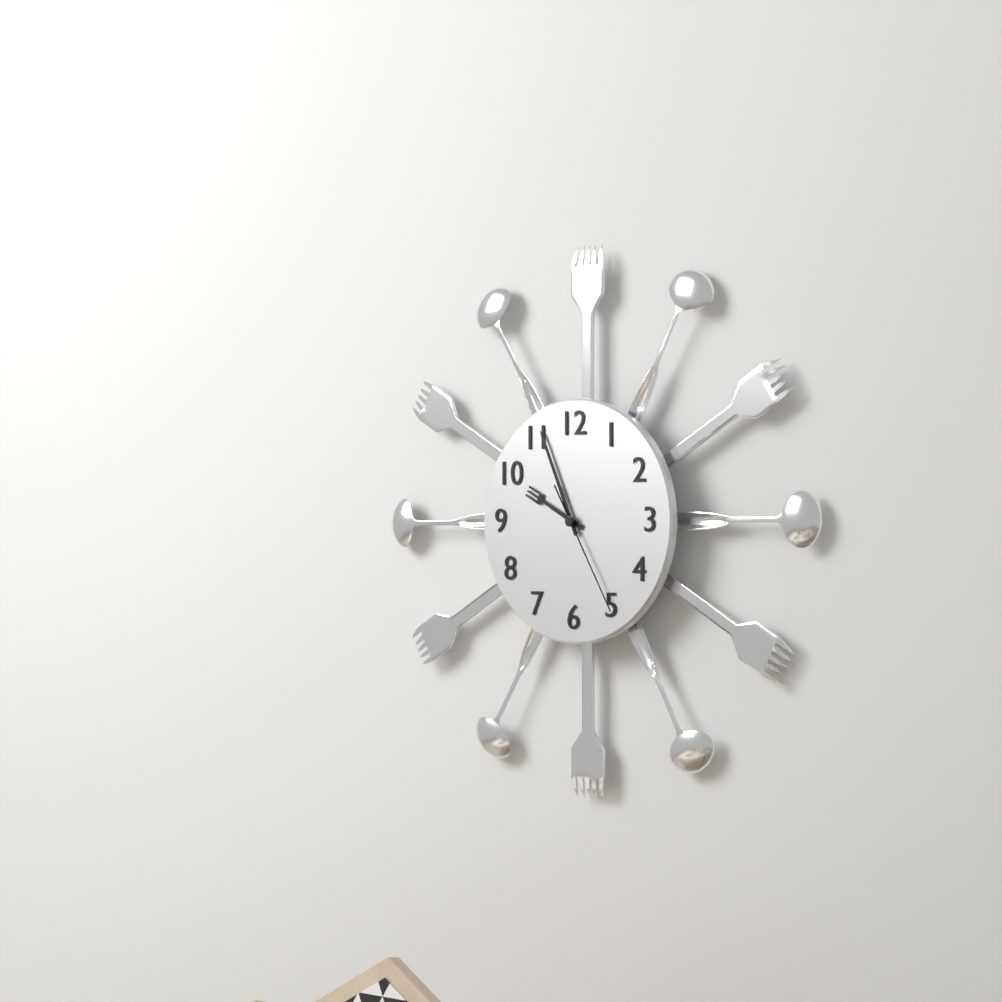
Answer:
9:56:25
